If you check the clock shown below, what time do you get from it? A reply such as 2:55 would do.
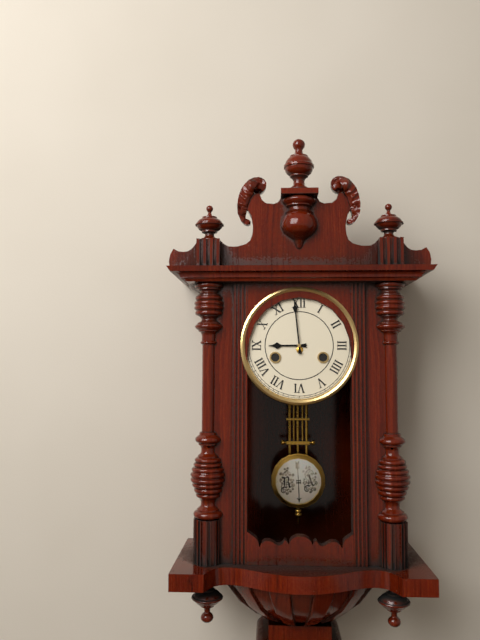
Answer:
8:59
